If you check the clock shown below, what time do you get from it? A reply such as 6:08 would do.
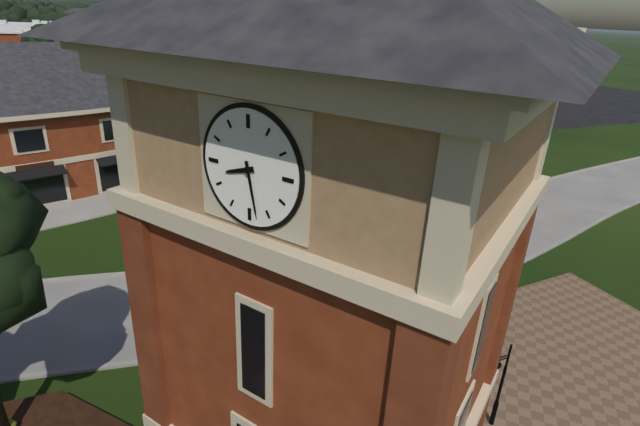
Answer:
8:28
